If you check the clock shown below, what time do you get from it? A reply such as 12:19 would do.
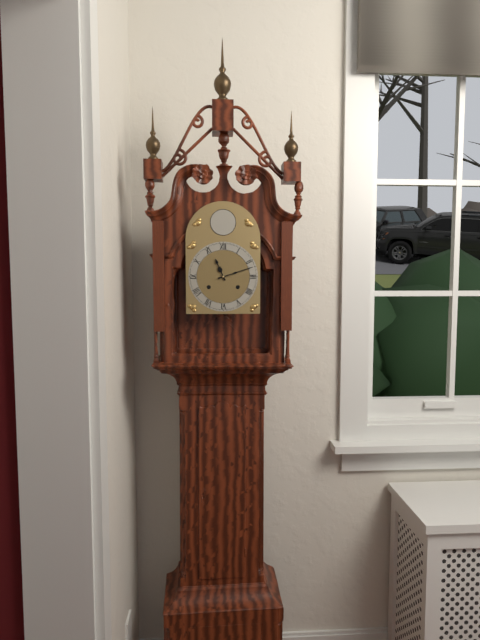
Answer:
11:12
